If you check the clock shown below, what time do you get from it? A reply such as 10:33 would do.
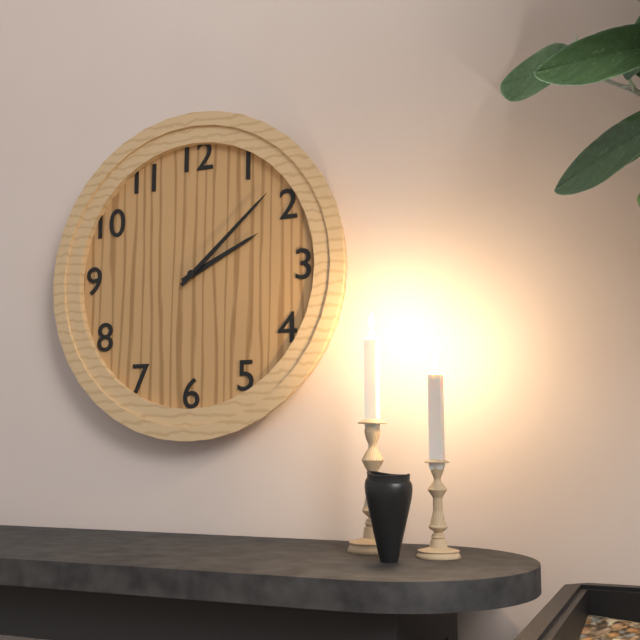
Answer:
2:08
